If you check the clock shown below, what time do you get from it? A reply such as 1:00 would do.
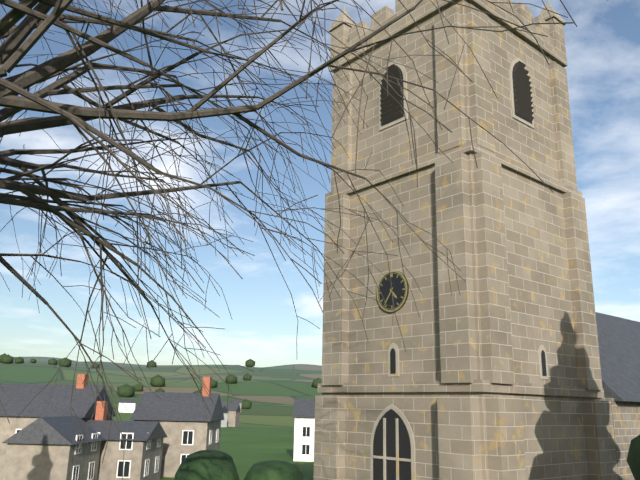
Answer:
4:36
